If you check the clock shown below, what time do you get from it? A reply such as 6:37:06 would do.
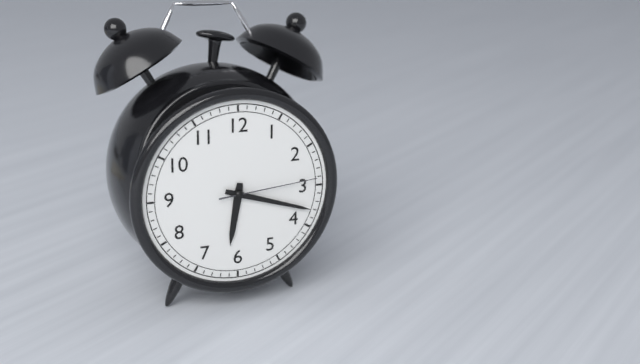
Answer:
6:18:14
